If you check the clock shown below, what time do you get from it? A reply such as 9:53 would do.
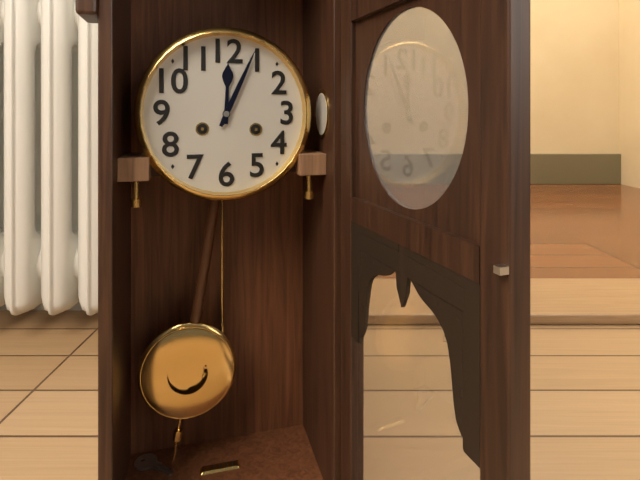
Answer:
12:04
